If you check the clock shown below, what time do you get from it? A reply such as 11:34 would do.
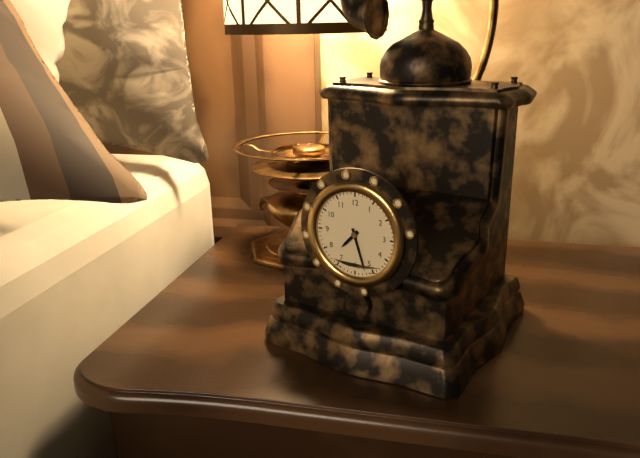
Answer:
7:27
